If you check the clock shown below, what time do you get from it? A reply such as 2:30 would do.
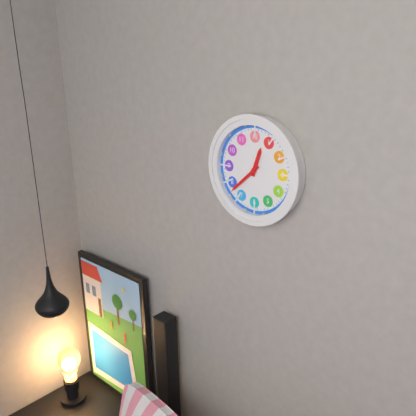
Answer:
12:38
